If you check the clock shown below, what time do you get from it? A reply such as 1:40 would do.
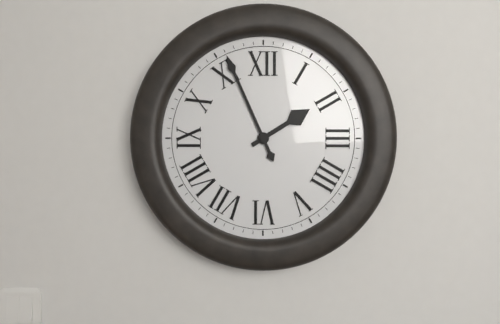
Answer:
1:56
